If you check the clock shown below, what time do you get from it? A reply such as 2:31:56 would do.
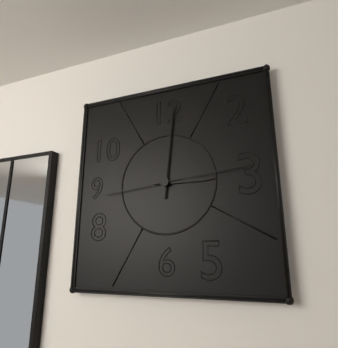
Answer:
3:01:14
